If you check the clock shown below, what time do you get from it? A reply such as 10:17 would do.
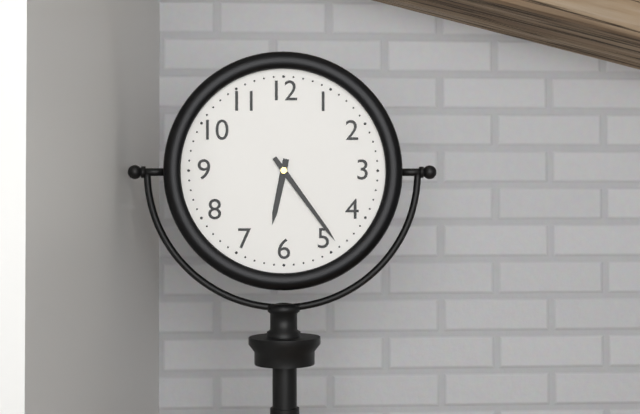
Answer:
6:24
